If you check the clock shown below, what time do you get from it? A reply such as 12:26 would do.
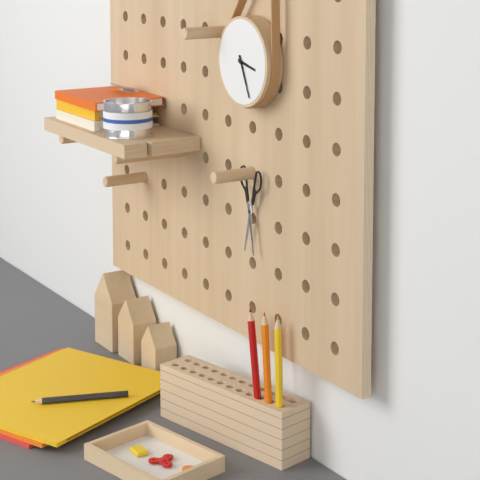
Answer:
3:26
